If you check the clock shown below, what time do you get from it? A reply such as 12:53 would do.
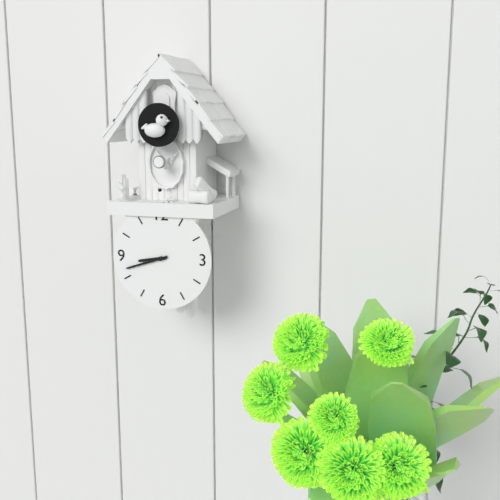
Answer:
8:42
